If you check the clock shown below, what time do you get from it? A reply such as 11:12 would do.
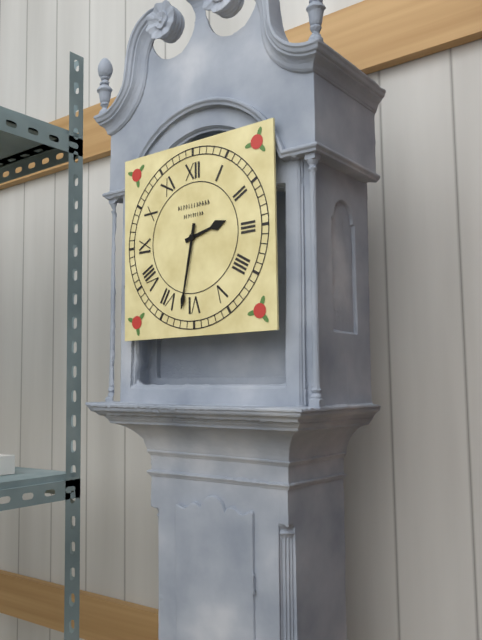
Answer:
2:32
